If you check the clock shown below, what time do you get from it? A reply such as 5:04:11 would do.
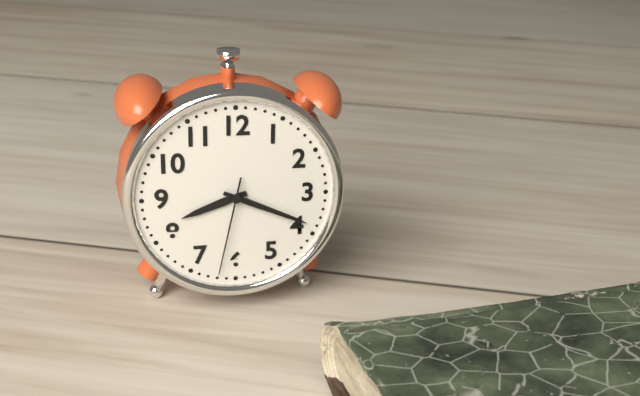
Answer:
8:19:32
